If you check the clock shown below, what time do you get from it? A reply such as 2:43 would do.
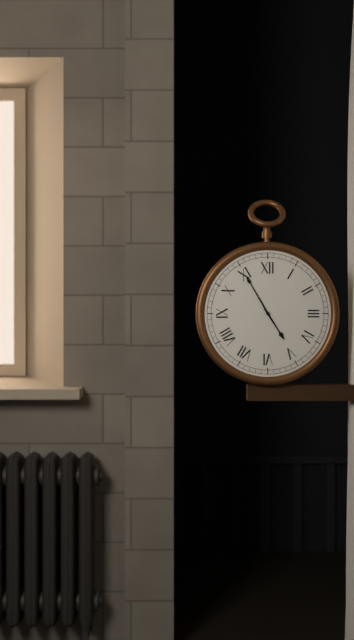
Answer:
4:55
